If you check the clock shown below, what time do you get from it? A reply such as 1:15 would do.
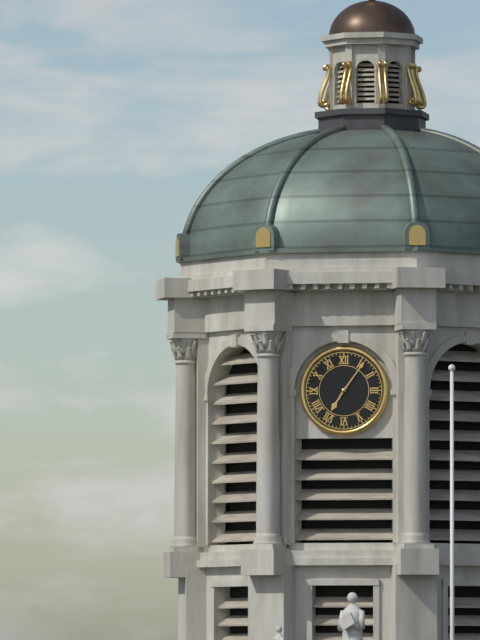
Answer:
7:06
